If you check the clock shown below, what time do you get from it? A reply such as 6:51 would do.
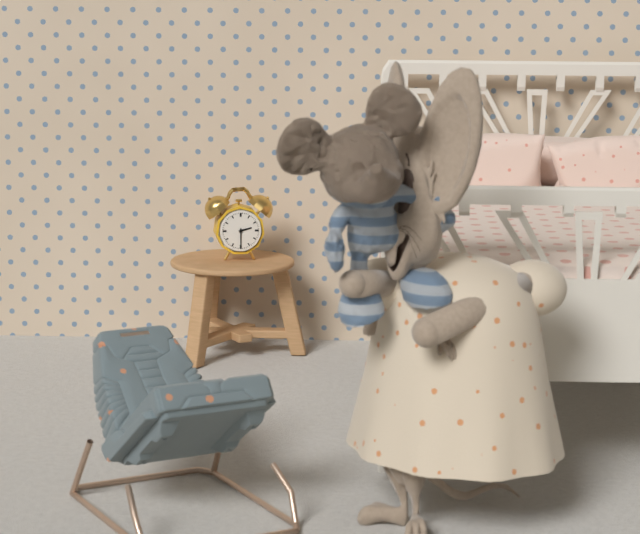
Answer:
2:30
